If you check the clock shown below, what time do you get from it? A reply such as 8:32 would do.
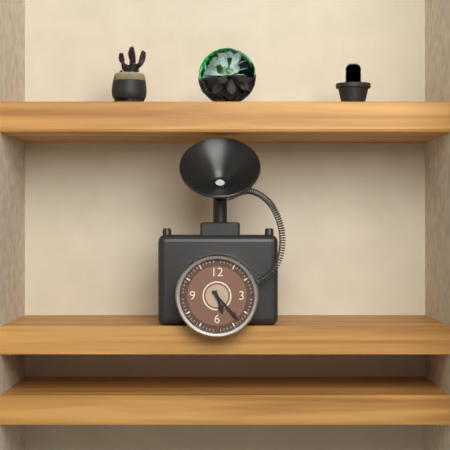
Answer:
5:23
